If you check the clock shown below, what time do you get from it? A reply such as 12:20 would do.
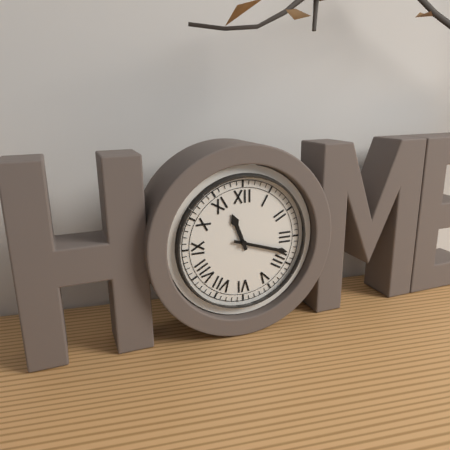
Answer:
11:18
